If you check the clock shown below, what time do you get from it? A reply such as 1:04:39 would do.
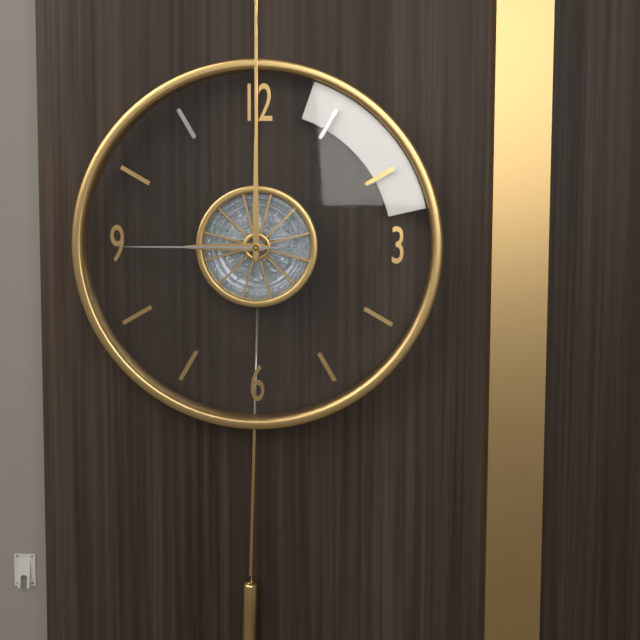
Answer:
9:00:45
